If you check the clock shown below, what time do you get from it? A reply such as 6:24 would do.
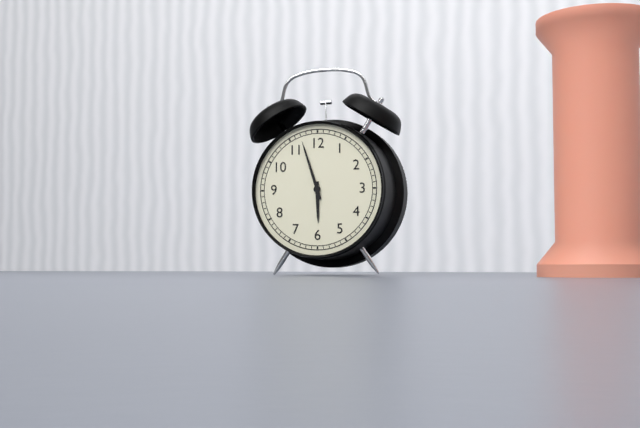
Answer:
5:57
